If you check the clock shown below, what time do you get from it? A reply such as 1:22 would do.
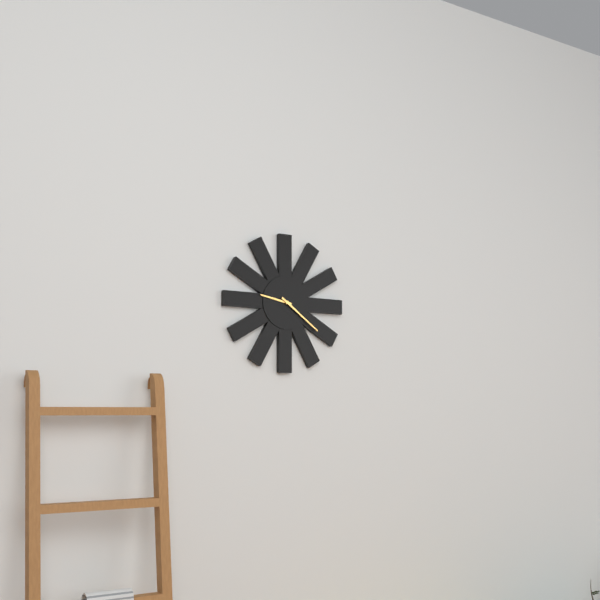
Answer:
9:21
